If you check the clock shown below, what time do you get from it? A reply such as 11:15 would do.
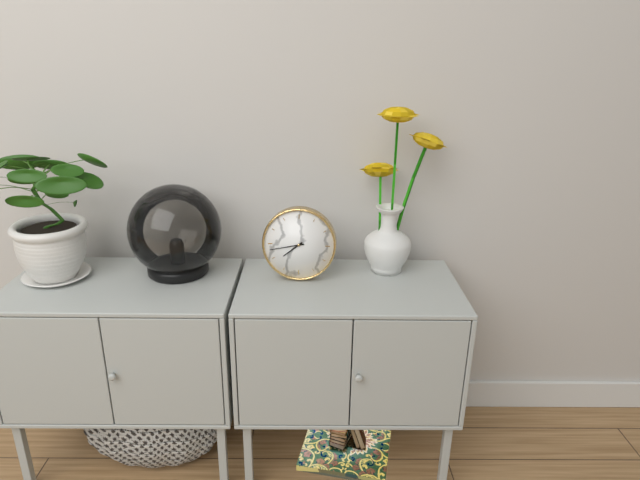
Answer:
7:43
